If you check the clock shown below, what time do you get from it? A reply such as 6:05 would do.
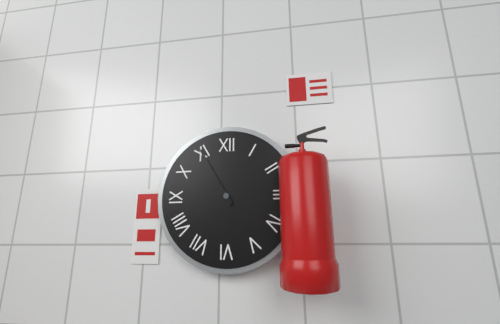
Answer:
10:55
